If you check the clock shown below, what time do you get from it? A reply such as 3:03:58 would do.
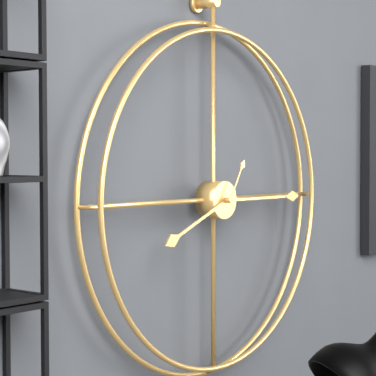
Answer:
8:15:05
